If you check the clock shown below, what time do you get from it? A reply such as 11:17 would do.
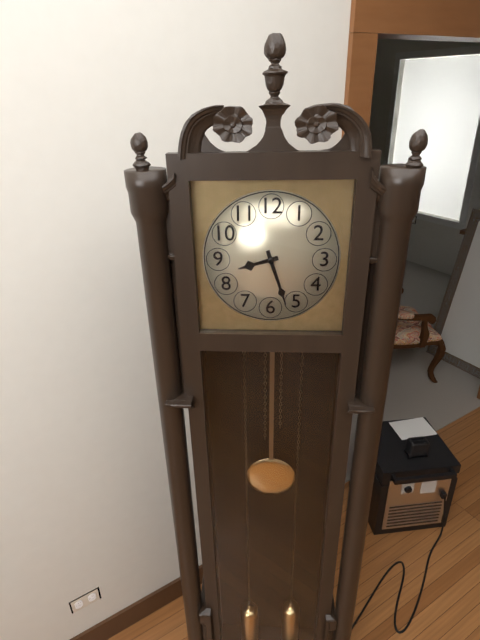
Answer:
8:27
